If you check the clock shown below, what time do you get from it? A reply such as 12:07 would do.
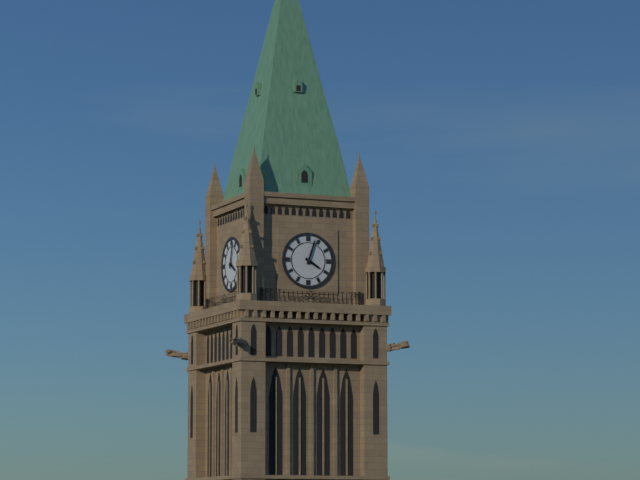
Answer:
4:03
